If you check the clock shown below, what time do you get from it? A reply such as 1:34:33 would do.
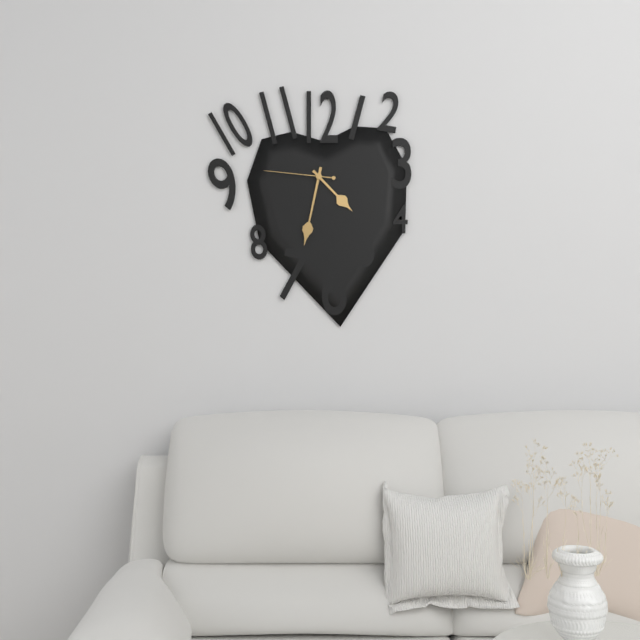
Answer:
4:32:46
